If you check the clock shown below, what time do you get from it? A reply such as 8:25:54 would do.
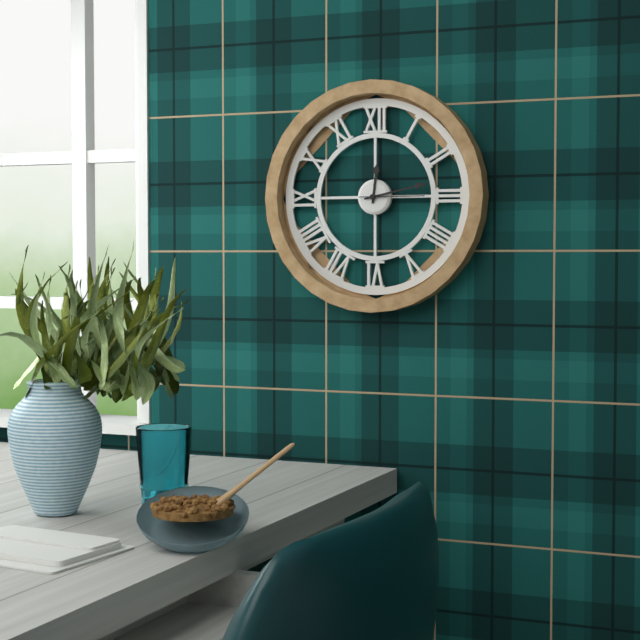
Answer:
12:13:15
